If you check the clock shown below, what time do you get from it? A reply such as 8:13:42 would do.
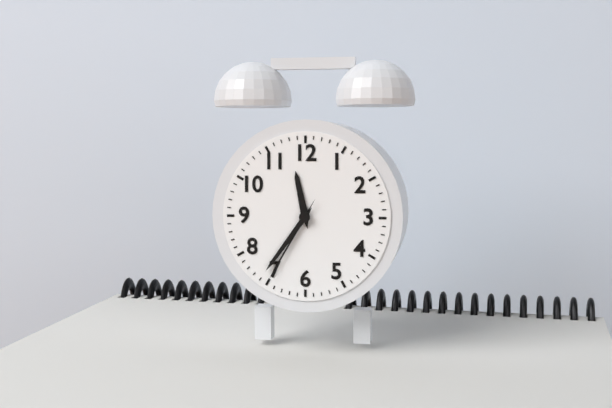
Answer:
11:36:35
